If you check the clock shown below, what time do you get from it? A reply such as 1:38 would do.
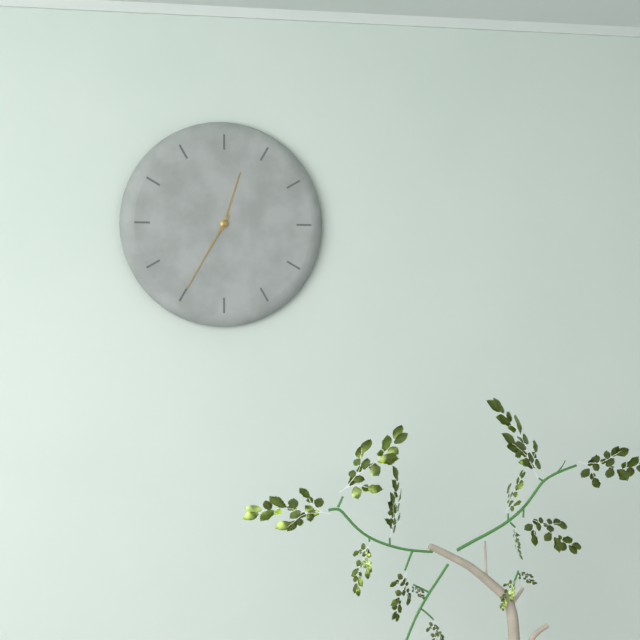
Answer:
12:35
